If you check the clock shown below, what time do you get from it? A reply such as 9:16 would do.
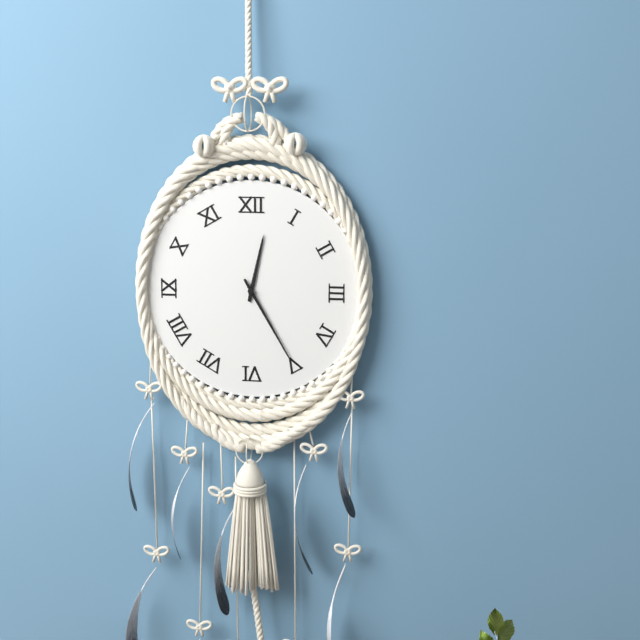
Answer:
12:25
